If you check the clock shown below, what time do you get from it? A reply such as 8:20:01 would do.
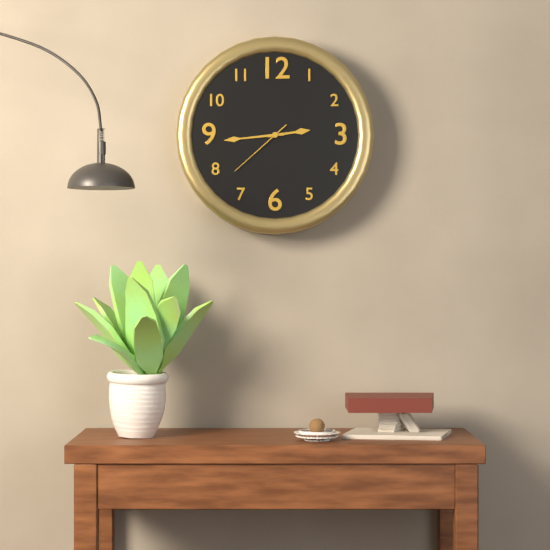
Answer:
2:44:38
